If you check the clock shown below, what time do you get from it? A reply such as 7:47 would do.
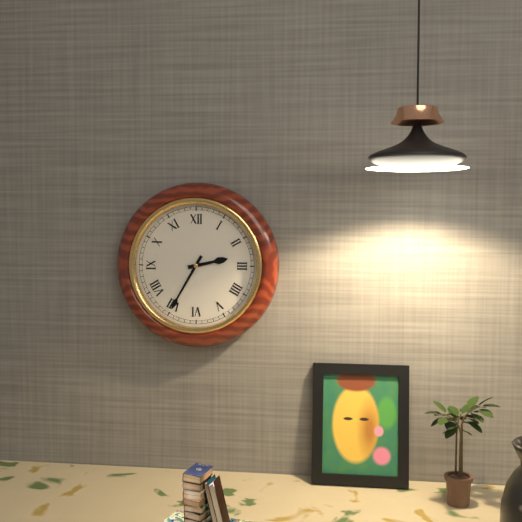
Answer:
2:35
